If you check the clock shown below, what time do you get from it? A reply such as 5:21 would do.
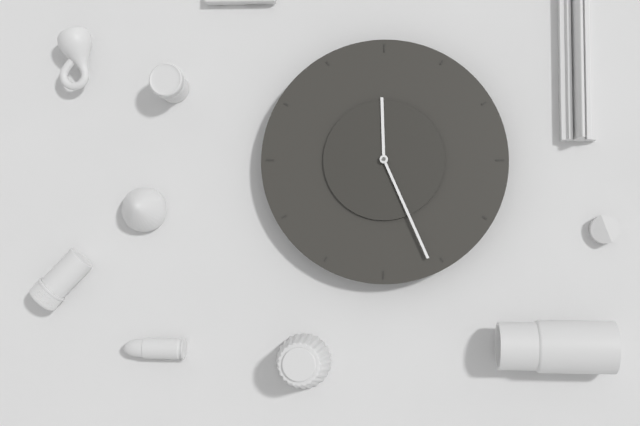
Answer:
5:56
